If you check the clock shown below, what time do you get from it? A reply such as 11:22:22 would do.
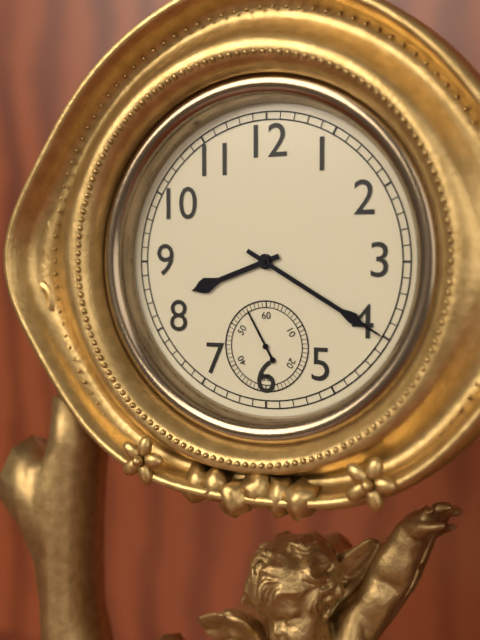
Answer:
8:20:55
